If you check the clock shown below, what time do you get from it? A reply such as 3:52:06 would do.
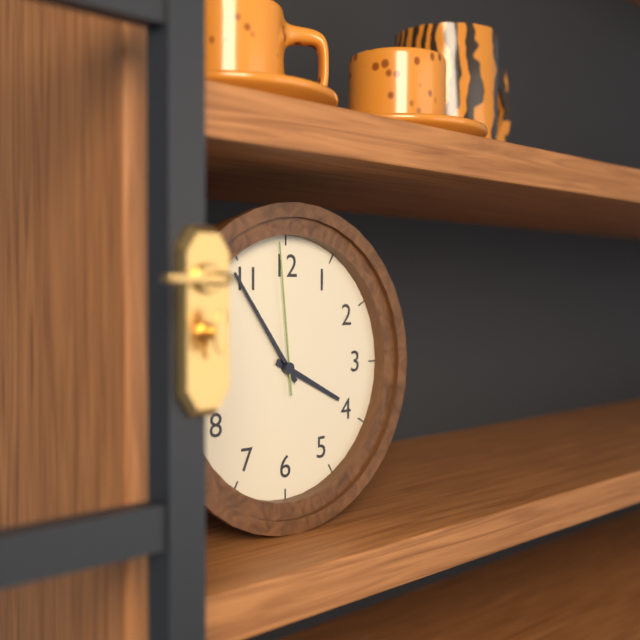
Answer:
3:54:59
